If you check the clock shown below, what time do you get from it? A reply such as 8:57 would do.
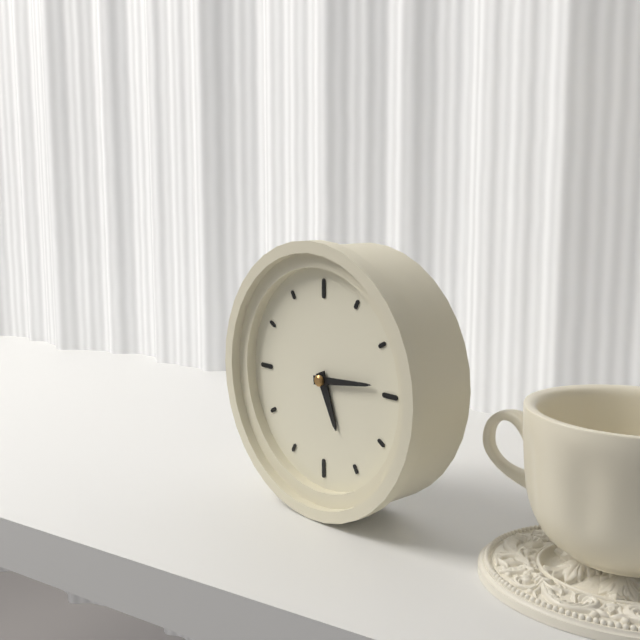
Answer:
5:14
